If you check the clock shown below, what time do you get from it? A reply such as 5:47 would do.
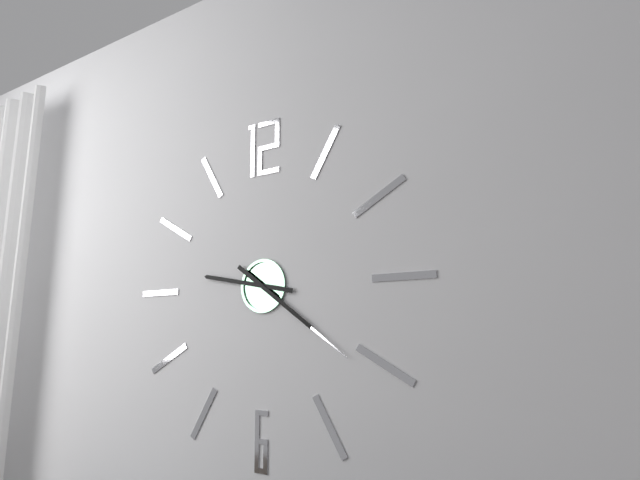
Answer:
9:21
